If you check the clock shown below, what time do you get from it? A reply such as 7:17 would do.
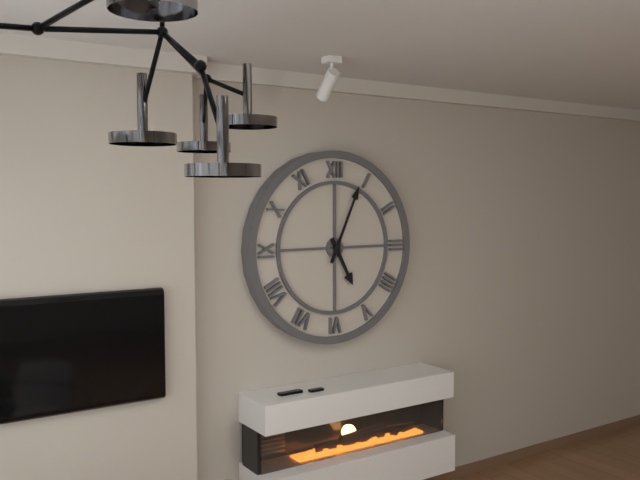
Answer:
5:04
